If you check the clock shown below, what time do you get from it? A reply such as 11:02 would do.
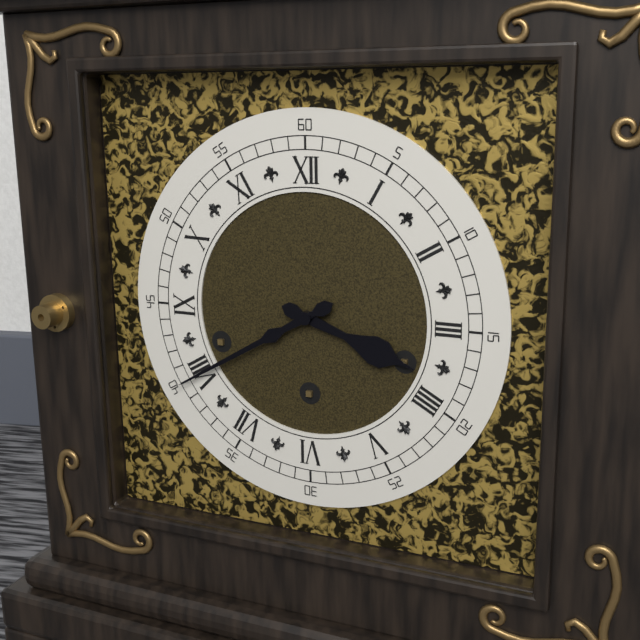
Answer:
3:40
